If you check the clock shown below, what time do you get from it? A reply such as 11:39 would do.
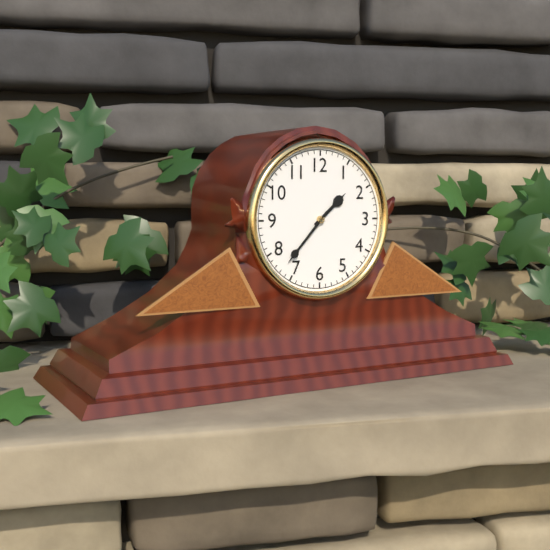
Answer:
1:37
